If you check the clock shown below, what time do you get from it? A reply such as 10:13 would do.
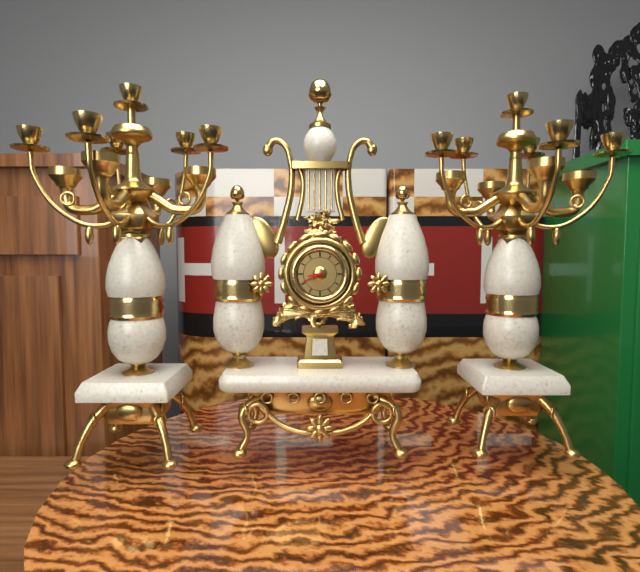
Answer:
8:41
